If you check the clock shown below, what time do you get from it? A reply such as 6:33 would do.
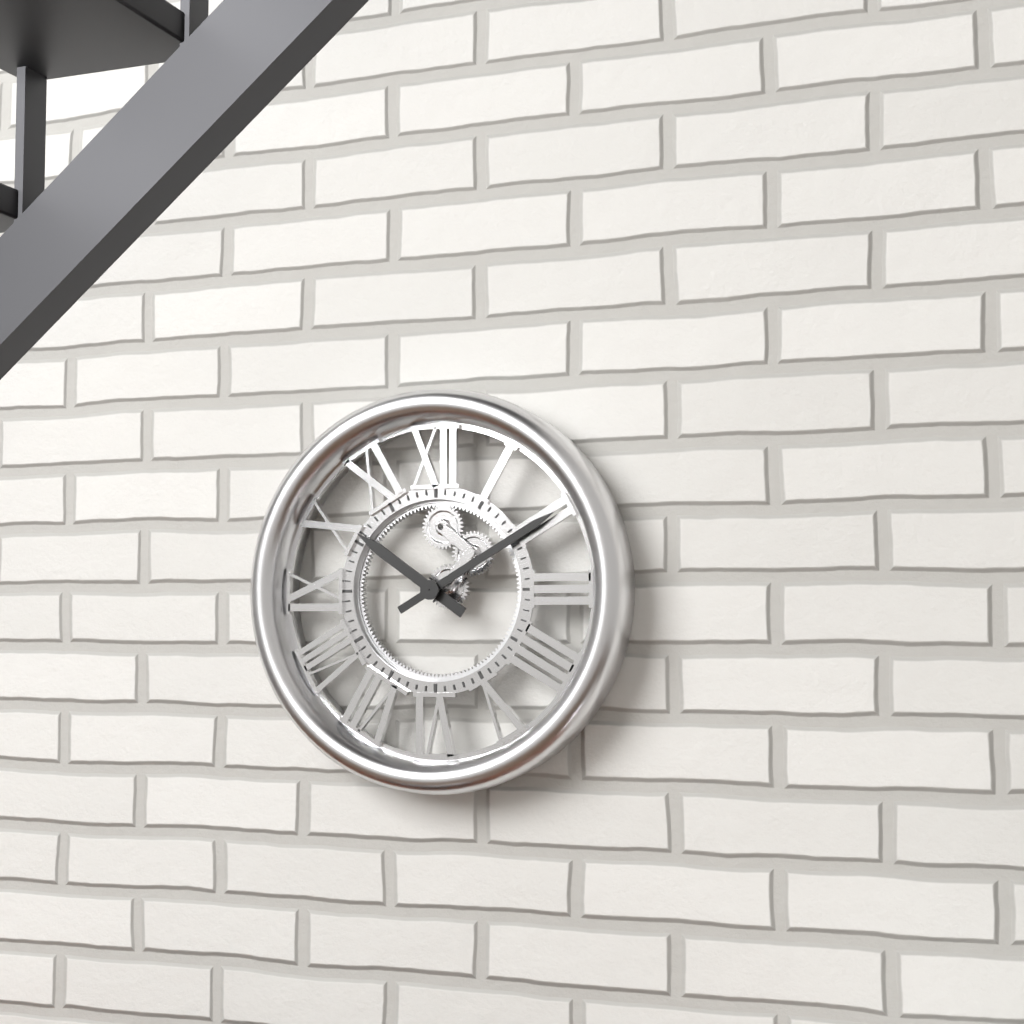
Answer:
10:10
